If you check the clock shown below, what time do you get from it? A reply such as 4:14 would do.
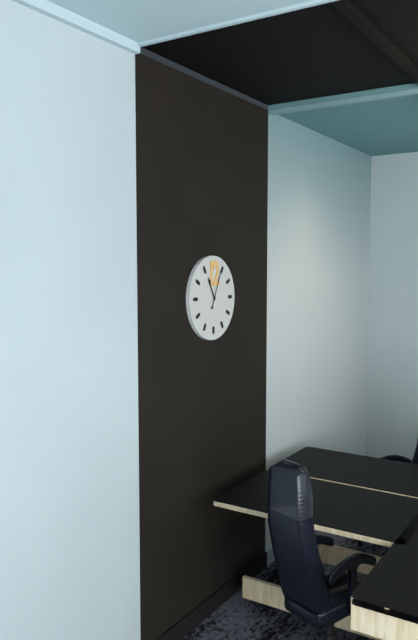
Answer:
11:04
